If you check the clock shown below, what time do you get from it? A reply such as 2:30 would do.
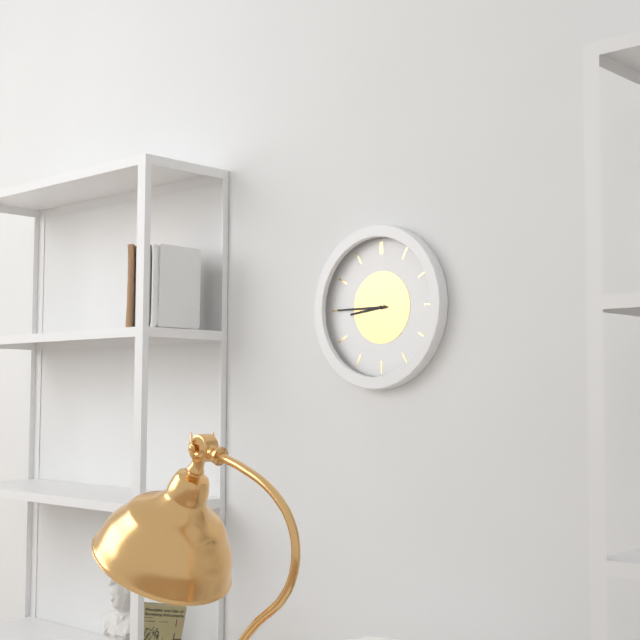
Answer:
8:45
